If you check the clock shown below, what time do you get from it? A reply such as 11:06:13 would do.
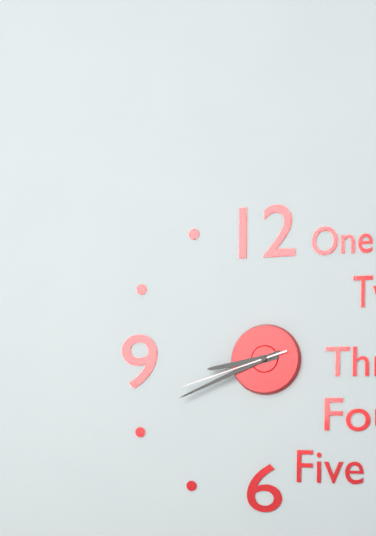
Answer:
8:41:42
